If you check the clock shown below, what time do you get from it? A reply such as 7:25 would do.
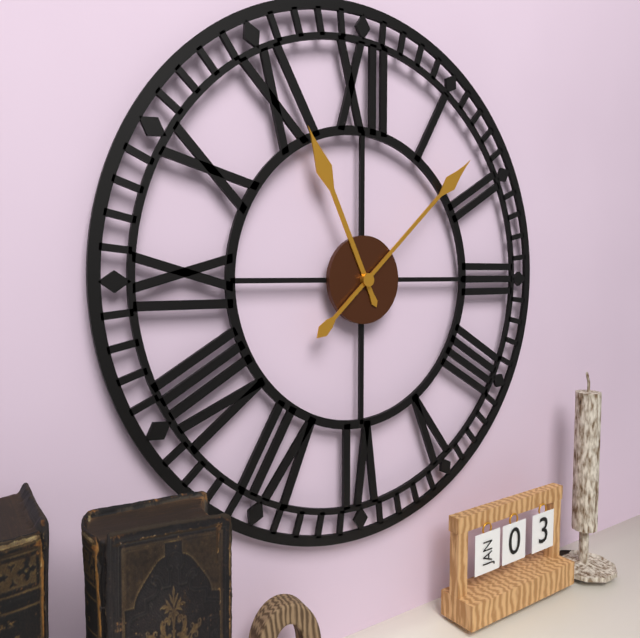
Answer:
11:08
